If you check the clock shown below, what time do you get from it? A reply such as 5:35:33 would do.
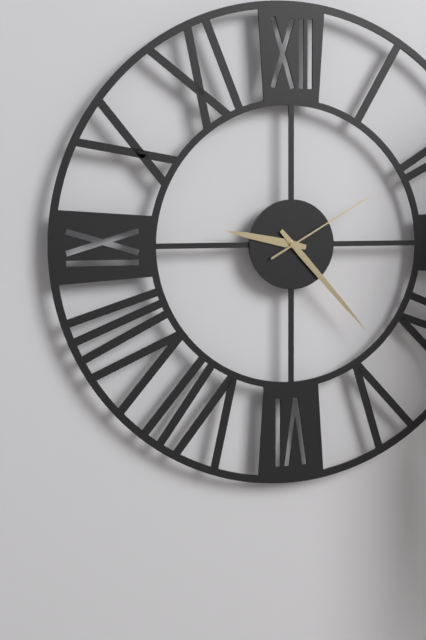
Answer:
9:23:10
